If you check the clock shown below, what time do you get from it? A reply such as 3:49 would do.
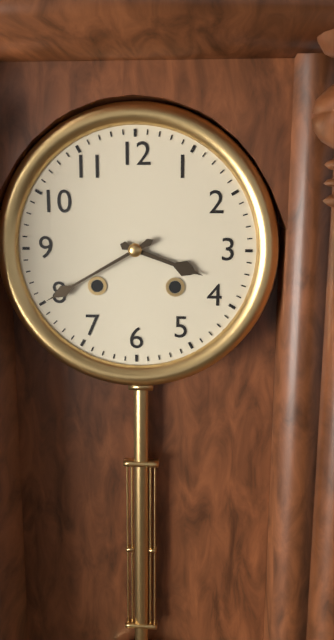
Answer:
3:40
